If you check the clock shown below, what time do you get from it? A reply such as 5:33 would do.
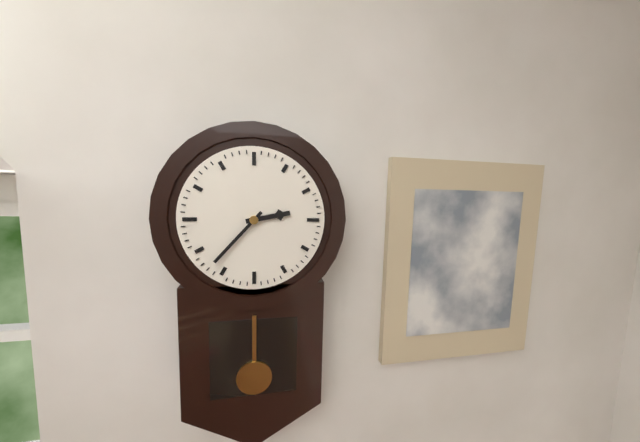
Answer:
2:37
